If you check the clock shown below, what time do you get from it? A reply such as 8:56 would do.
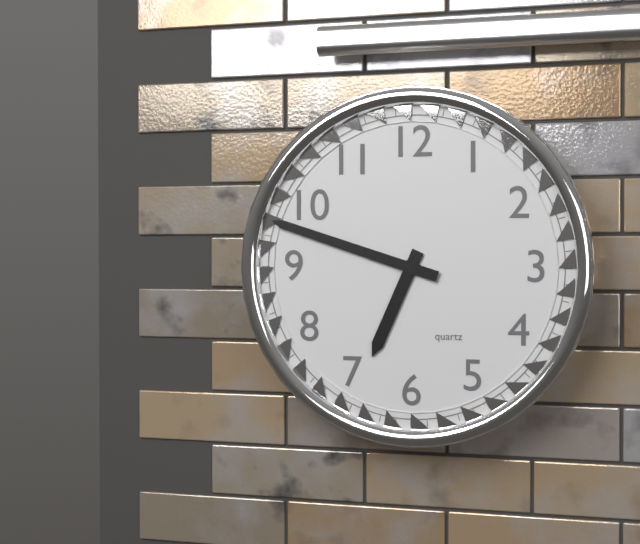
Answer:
6:48
